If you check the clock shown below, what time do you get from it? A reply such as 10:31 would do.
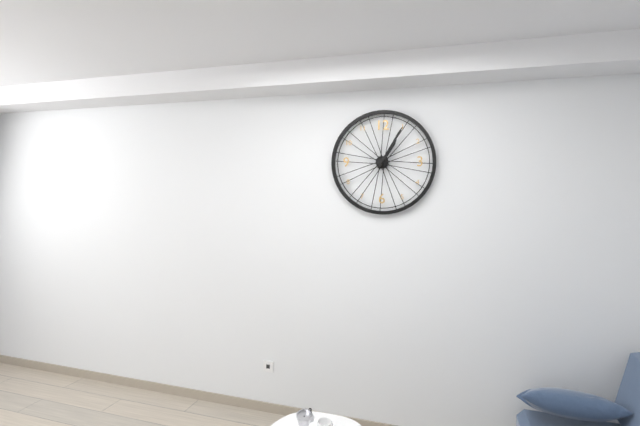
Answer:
1:05
